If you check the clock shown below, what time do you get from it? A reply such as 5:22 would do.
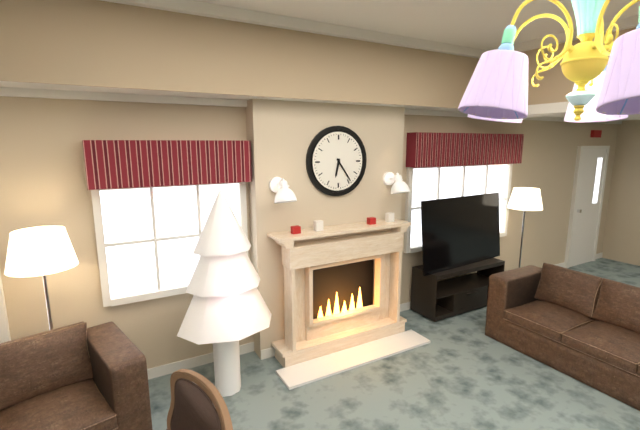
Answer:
6:24
